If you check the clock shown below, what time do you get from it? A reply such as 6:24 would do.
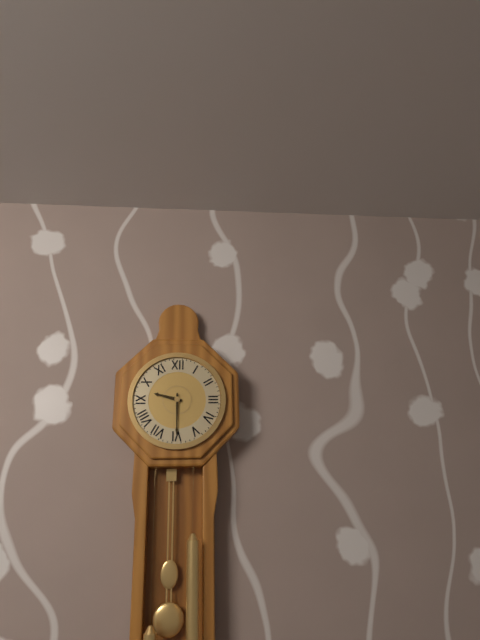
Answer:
9:30
